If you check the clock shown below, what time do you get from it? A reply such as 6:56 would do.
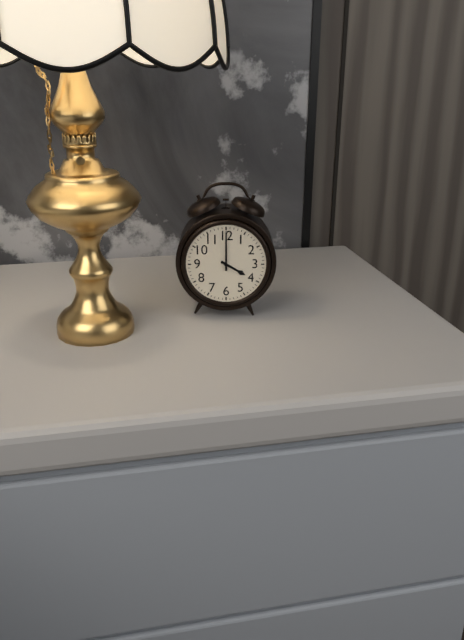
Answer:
4:00
